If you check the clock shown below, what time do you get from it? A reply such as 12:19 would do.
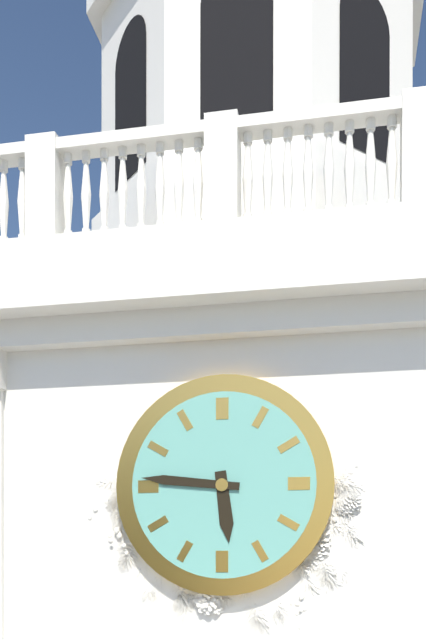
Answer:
5:46
